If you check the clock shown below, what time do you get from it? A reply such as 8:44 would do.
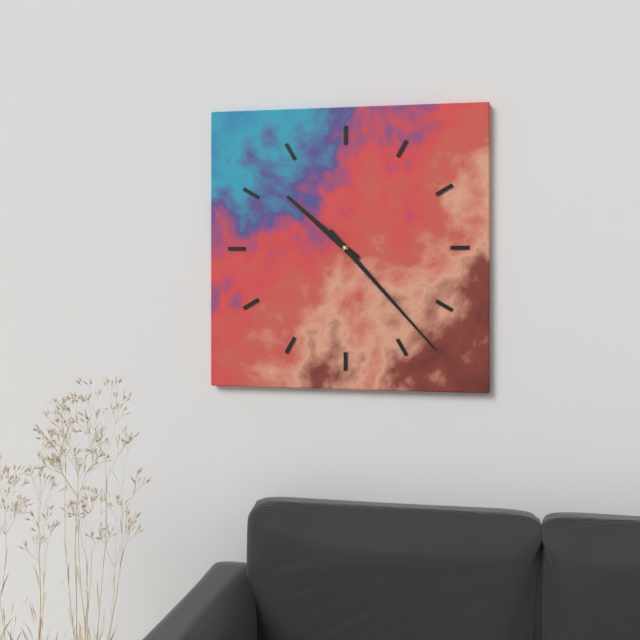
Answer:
10:23
